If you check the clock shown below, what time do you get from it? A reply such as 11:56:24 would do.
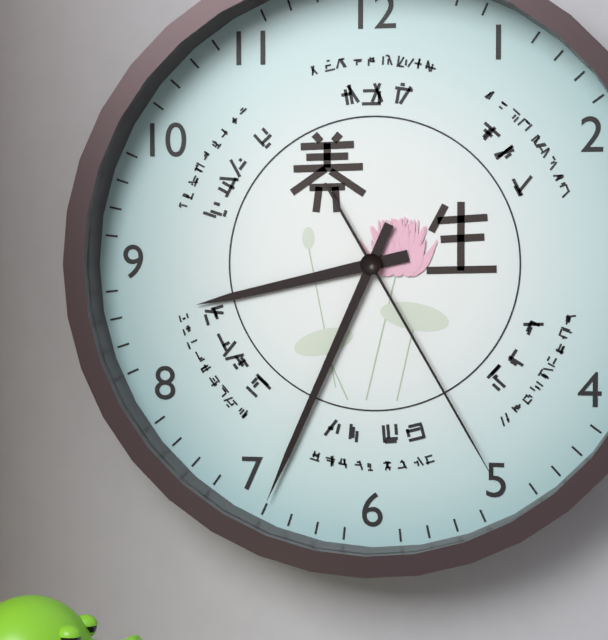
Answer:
8:34:25
